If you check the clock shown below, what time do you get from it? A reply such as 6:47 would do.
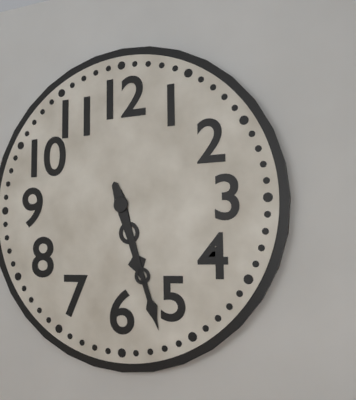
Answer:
5:27
